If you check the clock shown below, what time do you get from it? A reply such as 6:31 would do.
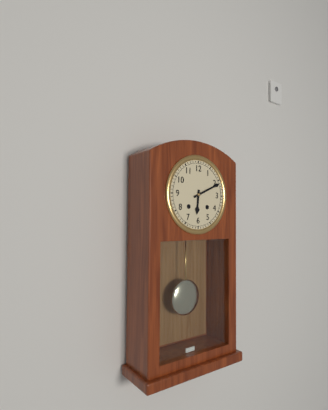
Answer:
6:11
